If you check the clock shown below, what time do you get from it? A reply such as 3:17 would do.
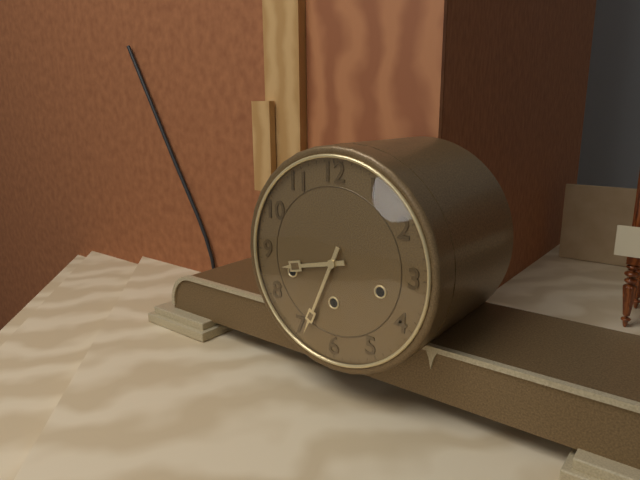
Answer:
8:34
